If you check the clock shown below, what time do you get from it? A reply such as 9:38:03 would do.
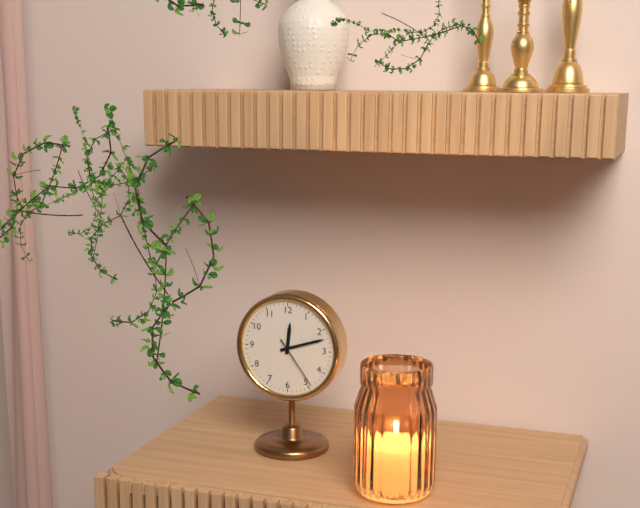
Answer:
12:12:24
